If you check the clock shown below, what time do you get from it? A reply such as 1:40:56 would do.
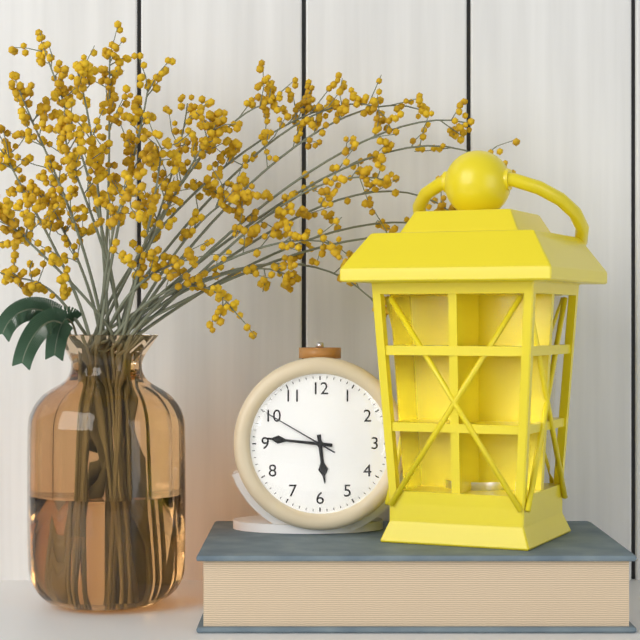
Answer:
5:46:50
